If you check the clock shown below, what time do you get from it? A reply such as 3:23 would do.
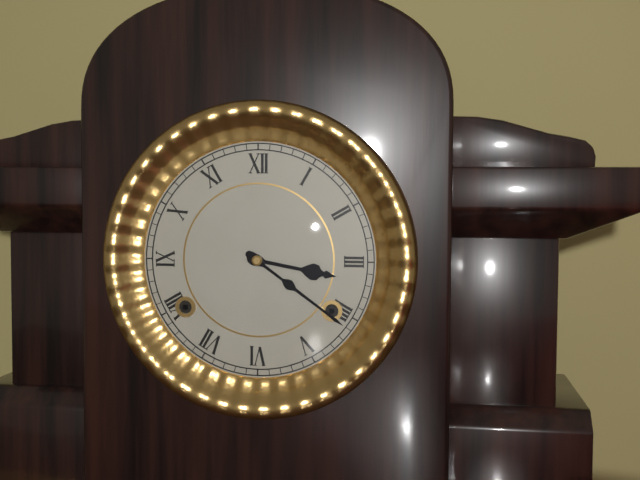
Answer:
3:21
